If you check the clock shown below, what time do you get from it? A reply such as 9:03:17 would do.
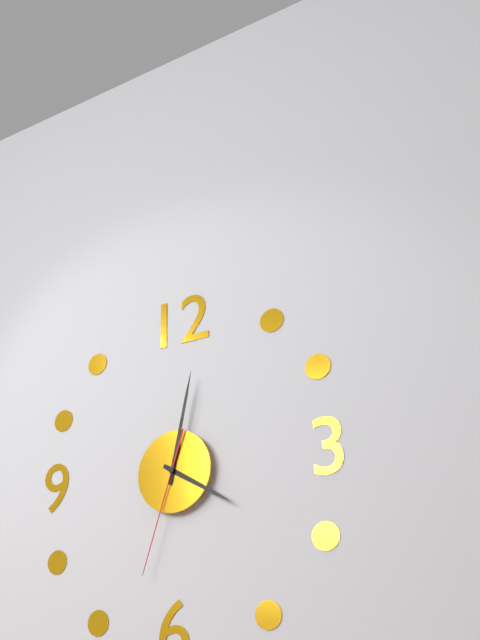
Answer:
4:02:33
